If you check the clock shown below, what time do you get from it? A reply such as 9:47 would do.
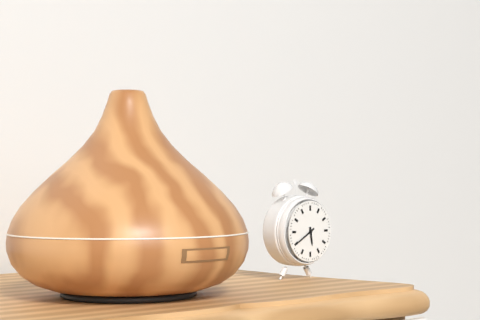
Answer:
5:40
